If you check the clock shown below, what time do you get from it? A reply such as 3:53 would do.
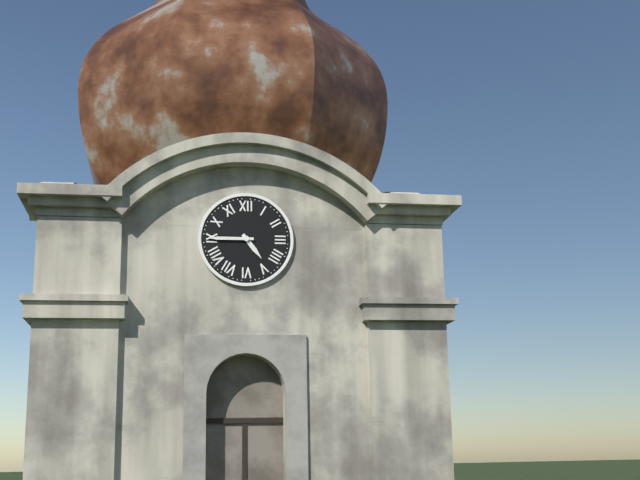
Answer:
4:45
